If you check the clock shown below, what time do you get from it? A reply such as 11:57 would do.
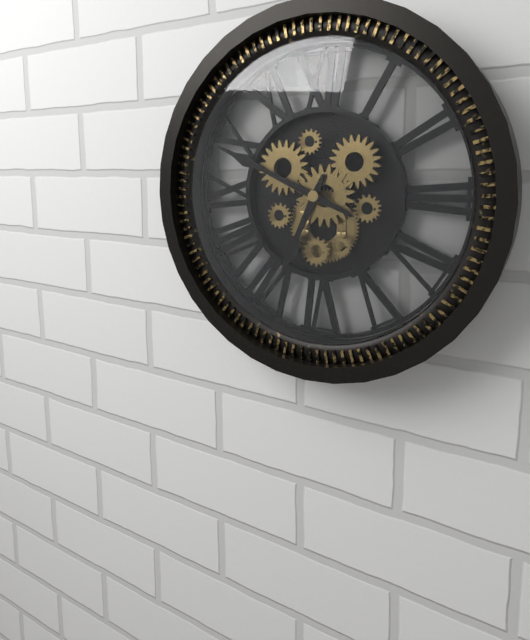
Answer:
6:49
